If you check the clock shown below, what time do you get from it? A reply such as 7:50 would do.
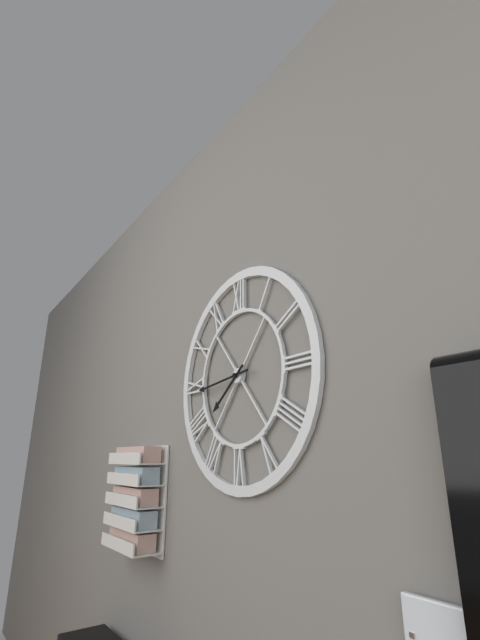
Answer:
7:44
